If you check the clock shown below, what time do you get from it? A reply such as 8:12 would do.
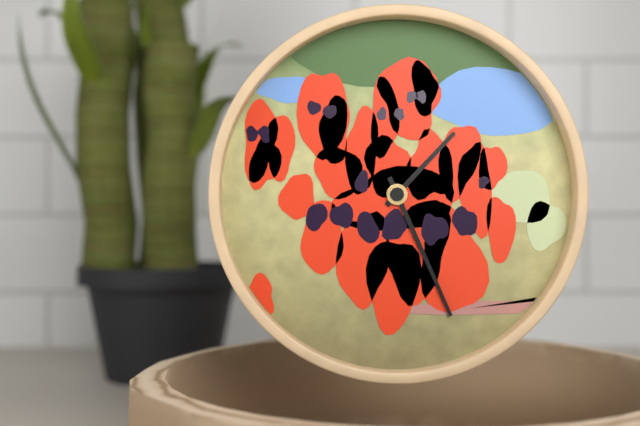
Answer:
1:26
